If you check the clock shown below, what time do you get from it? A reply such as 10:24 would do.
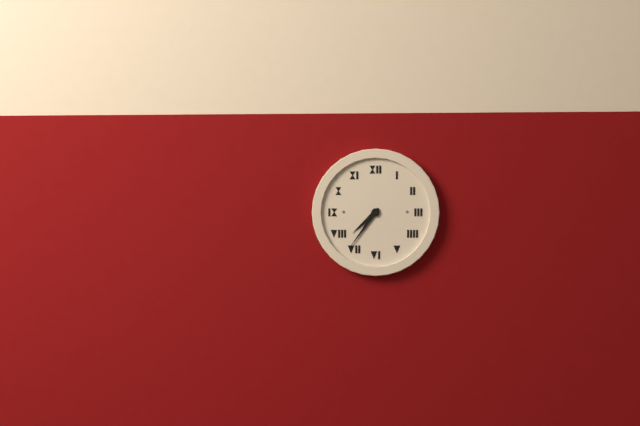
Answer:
7:36
